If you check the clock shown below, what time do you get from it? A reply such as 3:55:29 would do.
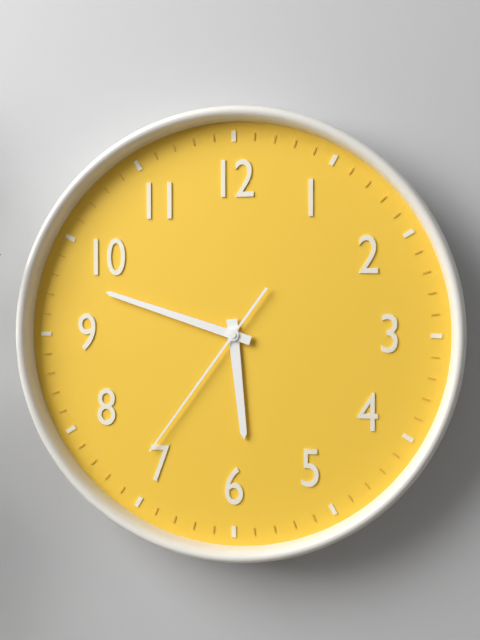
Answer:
5:48:36
